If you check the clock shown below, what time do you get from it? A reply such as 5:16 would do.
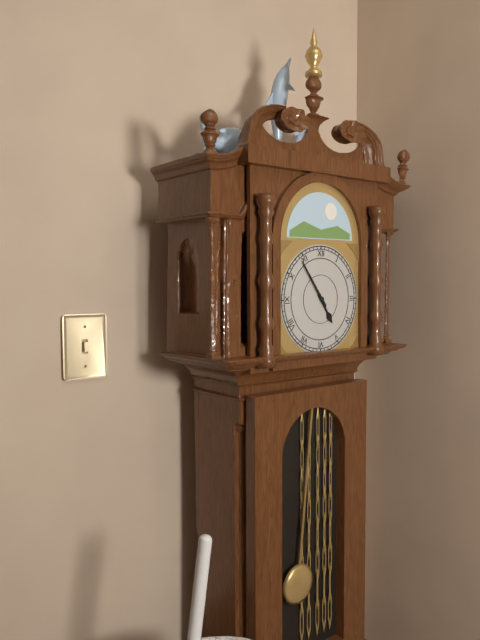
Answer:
4:54
